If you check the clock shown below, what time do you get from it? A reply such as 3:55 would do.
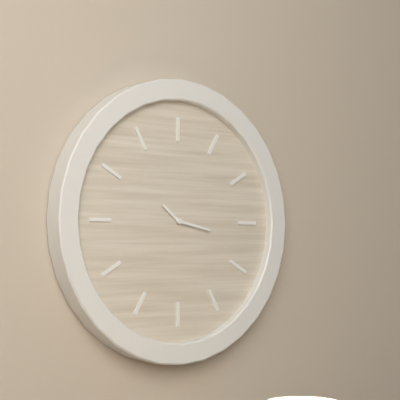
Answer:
10:17
